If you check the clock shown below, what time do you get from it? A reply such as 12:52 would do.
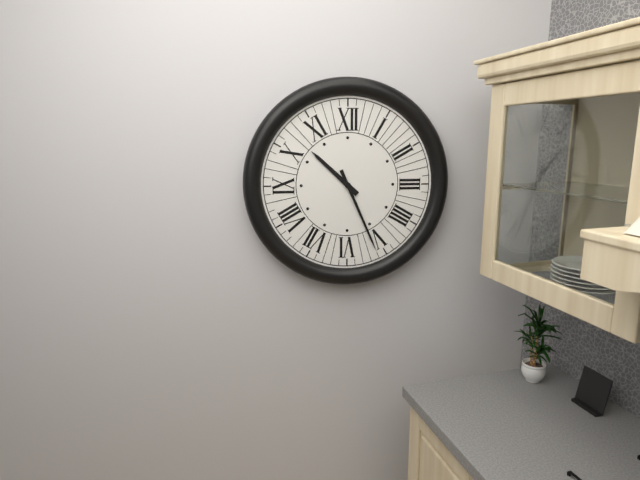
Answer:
10:26
